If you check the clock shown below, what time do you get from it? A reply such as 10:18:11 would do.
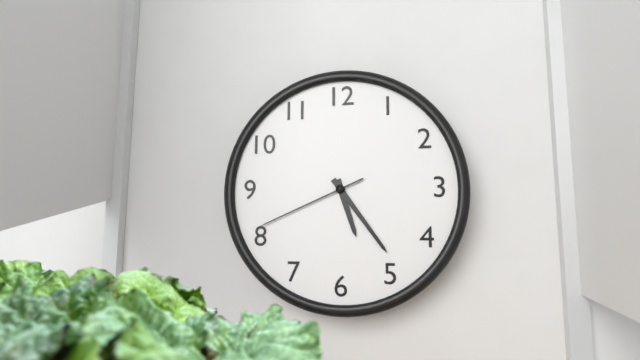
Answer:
5:24:41
